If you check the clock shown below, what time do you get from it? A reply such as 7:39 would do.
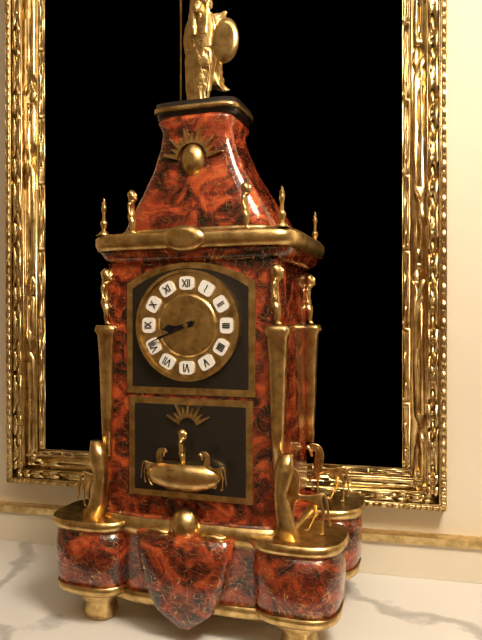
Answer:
8:41
